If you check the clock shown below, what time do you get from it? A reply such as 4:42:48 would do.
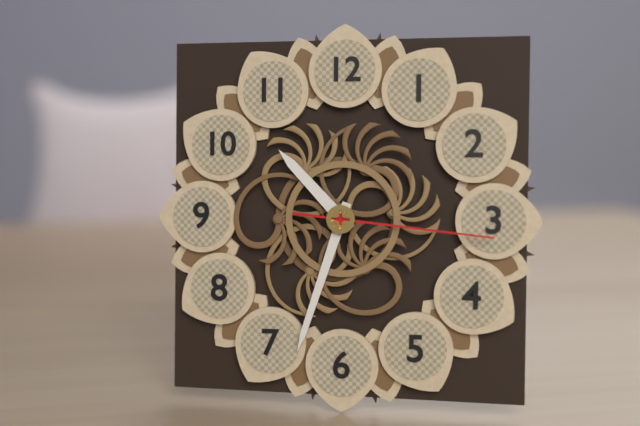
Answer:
10:33:16
